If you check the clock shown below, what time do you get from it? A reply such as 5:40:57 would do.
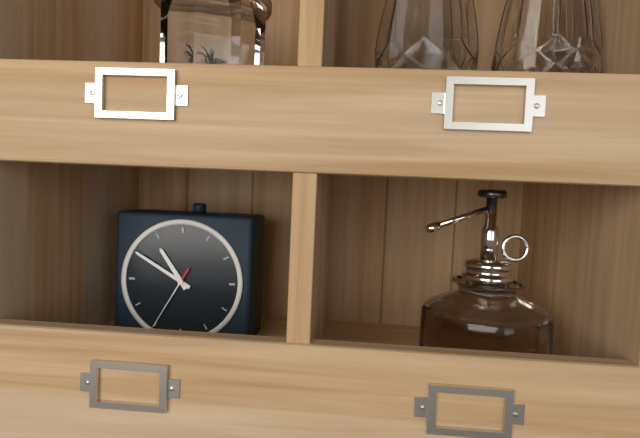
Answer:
10:50:35
